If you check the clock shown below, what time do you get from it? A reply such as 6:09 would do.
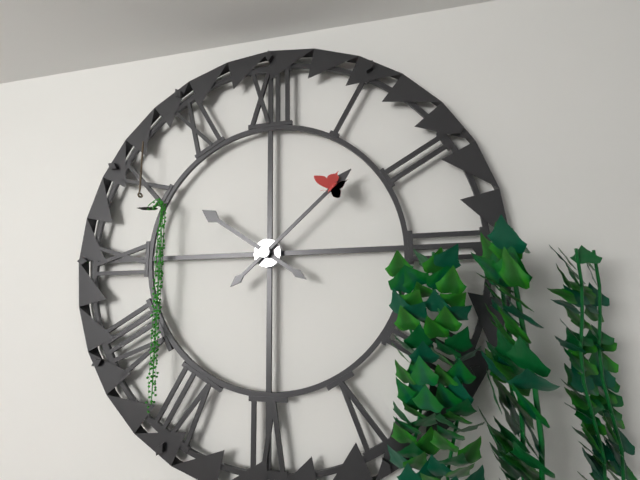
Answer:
10:08
